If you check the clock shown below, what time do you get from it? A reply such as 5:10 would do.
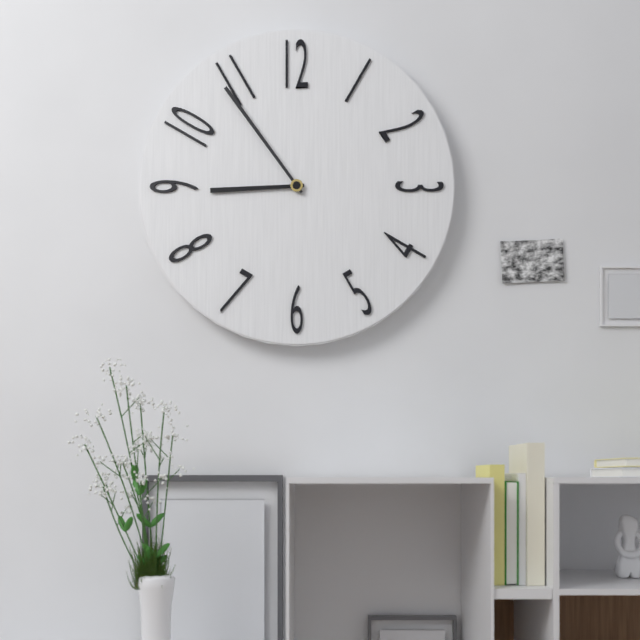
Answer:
8:54
